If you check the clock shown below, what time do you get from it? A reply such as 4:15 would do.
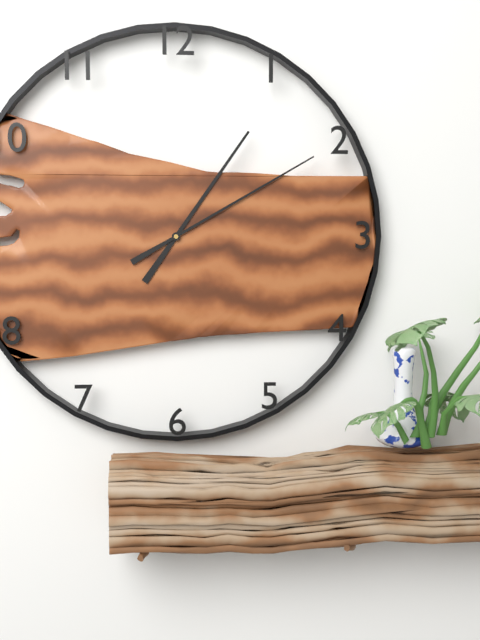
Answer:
1:10
